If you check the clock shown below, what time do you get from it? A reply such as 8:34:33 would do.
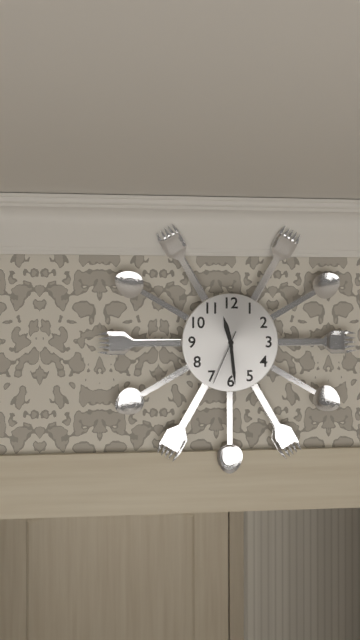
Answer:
11:29:34
